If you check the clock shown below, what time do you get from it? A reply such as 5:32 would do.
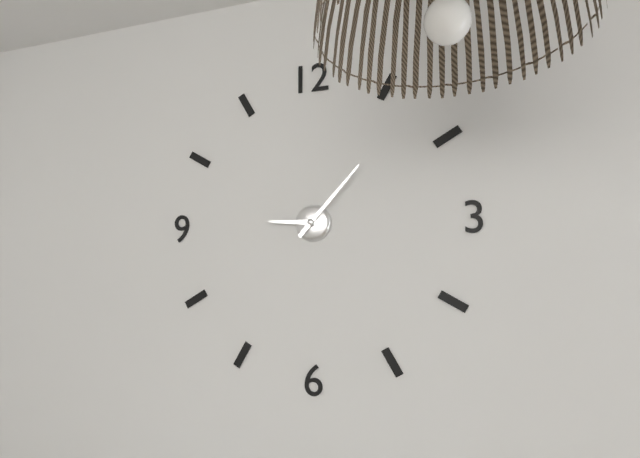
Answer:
9:07
